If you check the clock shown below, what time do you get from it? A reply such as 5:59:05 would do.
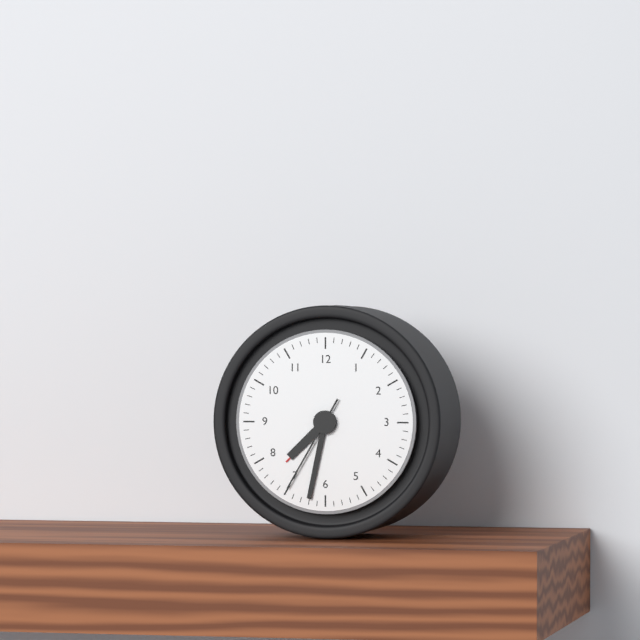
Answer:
7:32:35
